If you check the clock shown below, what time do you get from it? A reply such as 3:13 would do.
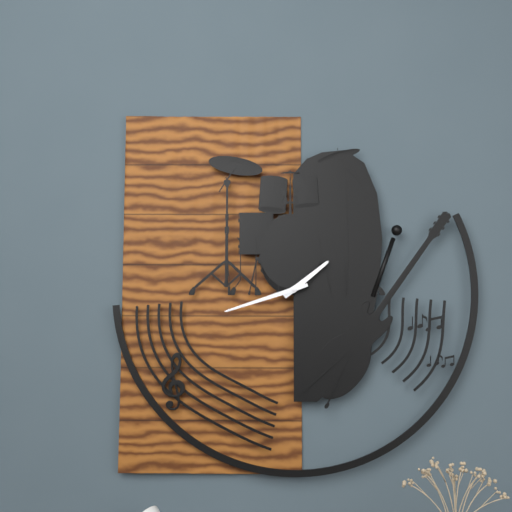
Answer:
1:42
